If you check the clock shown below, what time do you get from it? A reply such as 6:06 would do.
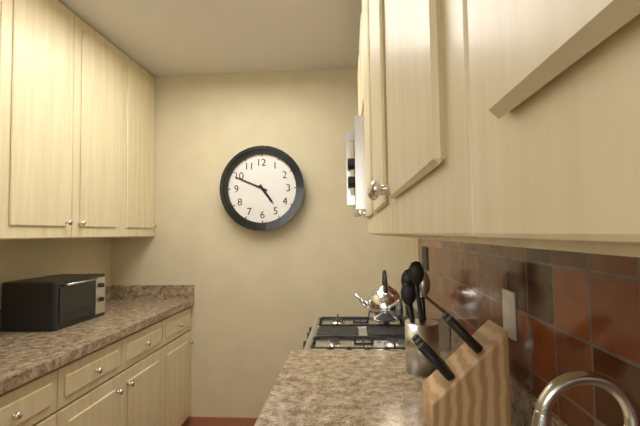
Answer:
4:49
